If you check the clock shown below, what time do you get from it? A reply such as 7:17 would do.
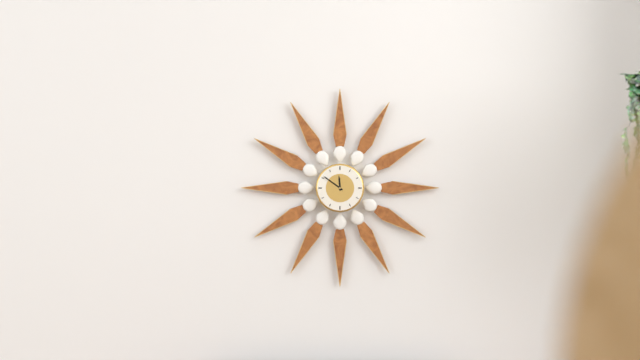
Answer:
11:51
